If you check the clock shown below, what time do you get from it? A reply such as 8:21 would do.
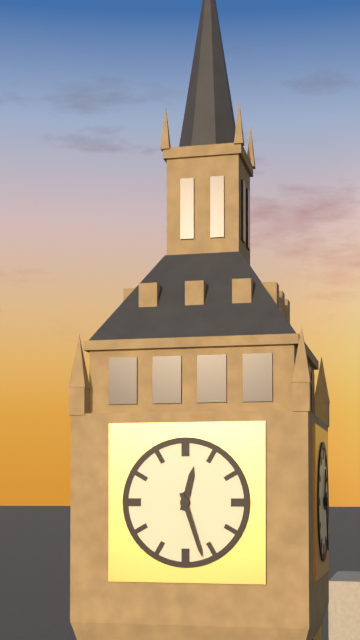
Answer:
12:27
